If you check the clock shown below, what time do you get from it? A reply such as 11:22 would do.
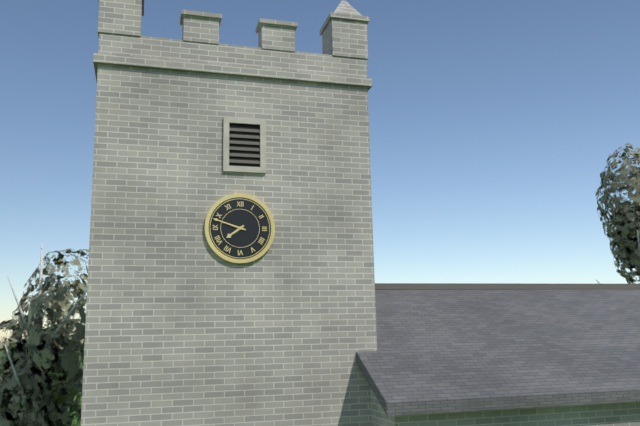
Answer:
7:48
